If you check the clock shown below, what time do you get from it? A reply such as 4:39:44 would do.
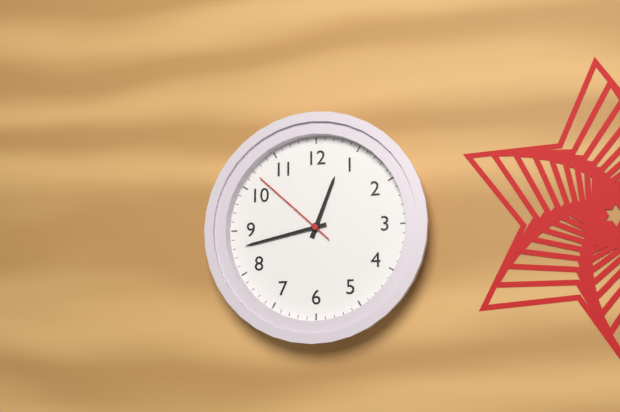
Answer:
12:43:52
